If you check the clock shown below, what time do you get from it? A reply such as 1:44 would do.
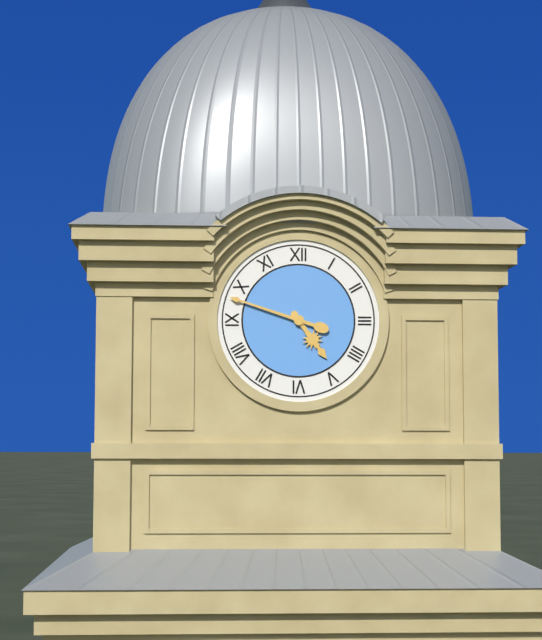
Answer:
4:48
